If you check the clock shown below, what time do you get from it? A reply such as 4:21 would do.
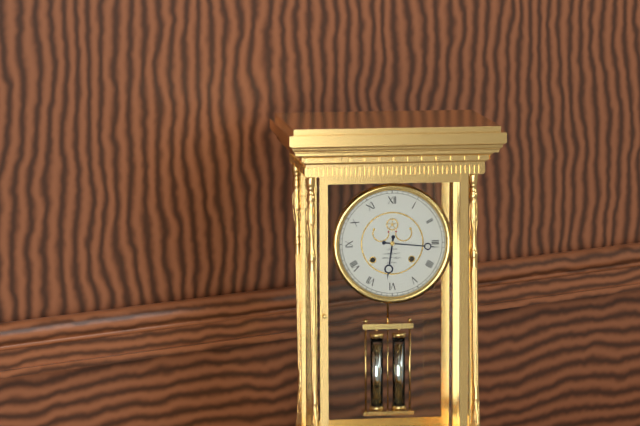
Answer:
6:16
